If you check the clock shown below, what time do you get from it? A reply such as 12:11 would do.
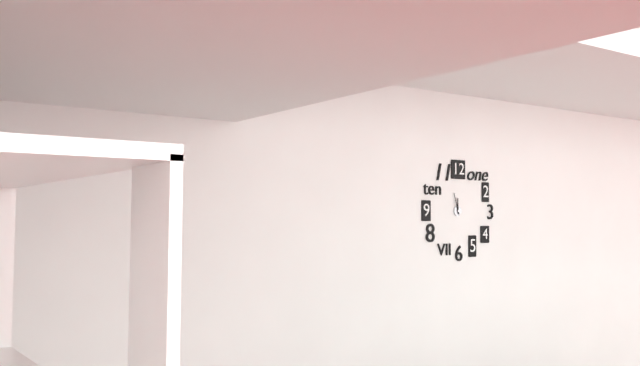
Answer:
11:57
